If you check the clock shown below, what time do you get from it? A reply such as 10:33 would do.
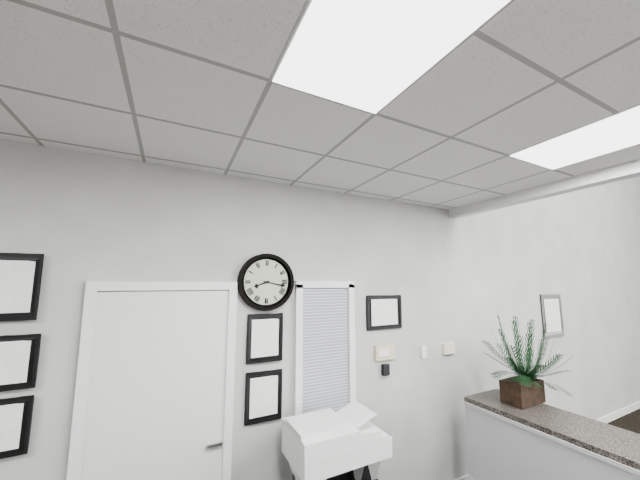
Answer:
8:17
